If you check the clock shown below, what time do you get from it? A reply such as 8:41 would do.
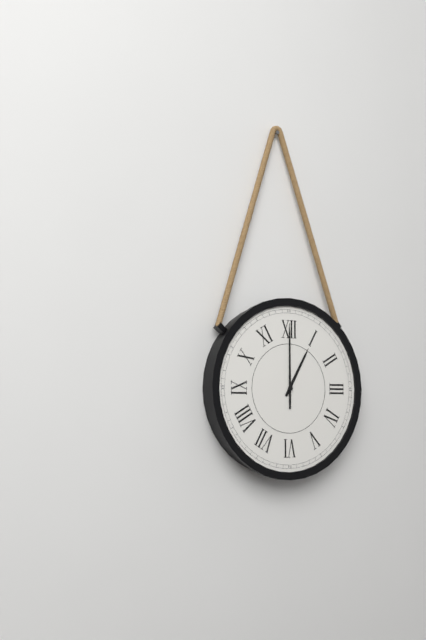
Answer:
1:00
